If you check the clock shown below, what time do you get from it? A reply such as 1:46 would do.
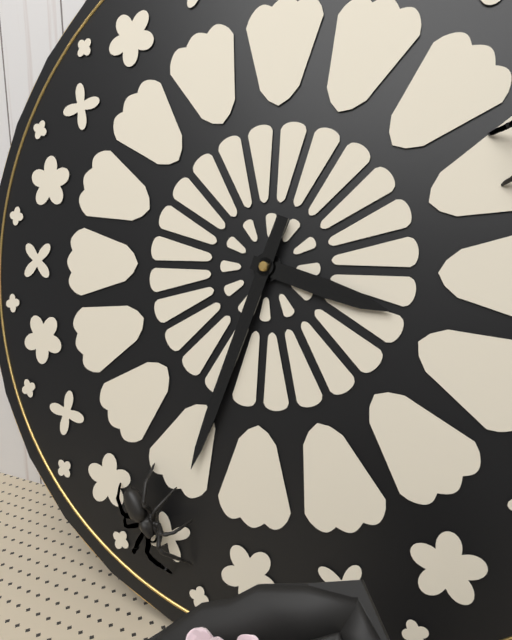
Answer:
3:33
